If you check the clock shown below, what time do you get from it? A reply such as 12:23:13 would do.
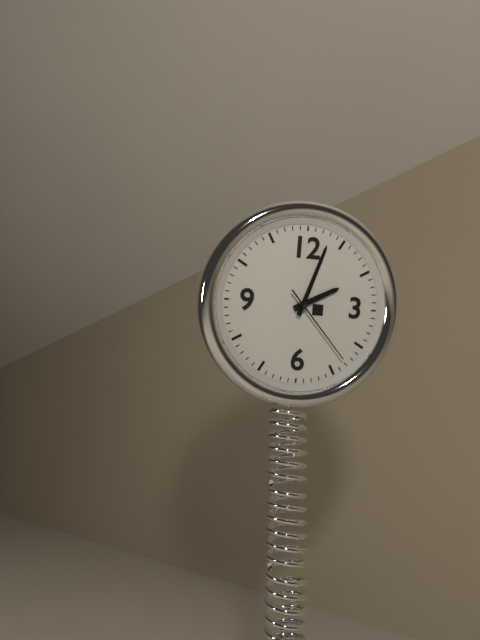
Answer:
2:03:23
